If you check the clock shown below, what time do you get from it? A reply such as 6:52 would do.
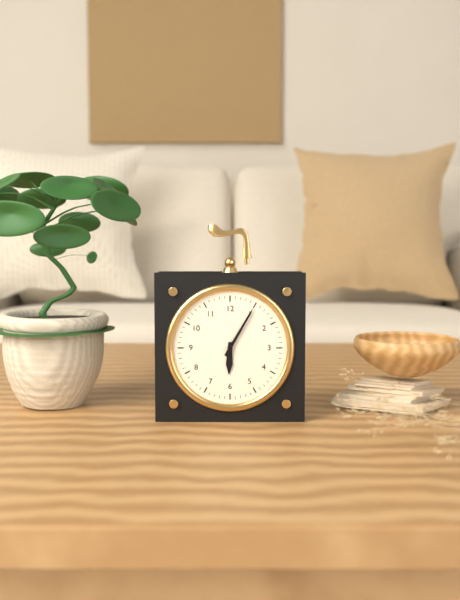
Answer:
6:05
